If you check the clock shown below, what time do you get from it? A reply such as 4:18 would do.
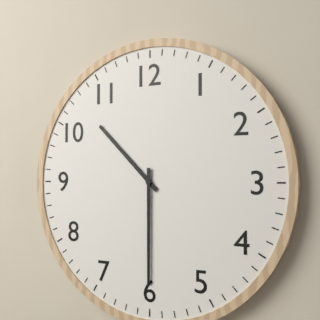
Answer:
10:30
